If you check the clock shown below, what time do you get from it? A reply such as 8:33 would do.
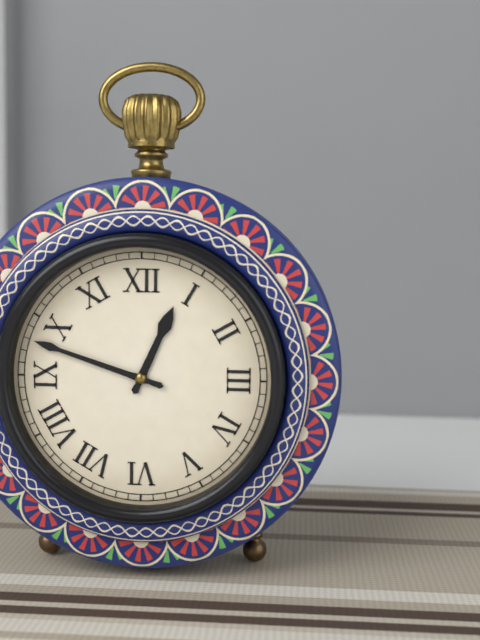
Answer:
12:48
